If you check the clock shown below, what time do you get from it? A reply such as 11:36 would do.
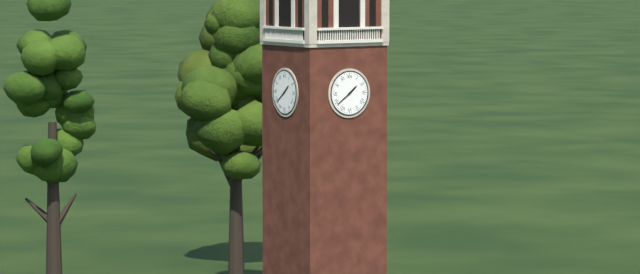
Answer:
1:39
